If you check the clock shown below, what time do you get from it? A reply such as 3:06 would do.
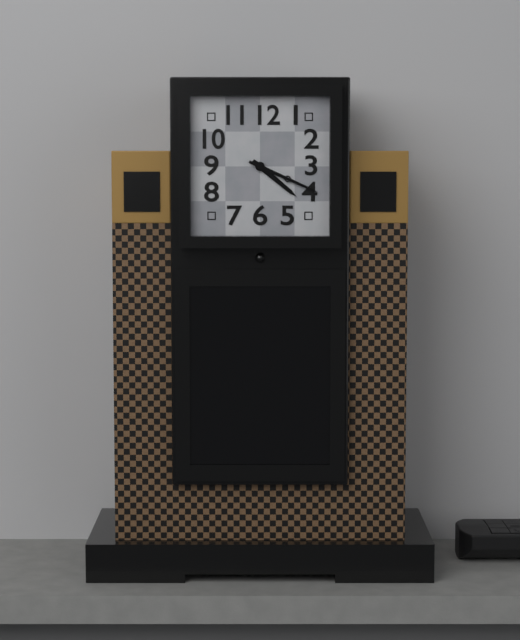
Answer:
4:19
